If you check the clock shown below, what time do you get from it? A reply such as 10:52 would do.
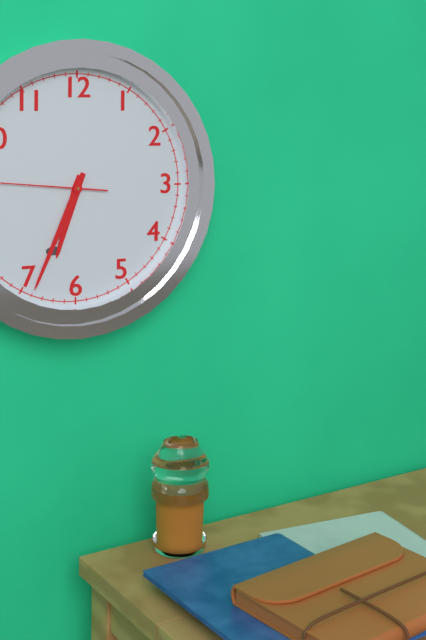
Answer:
6:34
